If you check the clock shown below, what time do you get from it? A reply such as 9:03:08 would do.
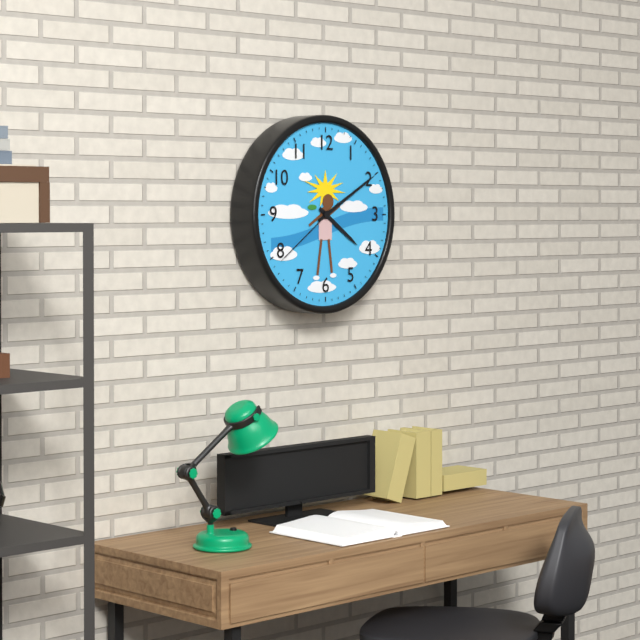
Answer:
4:10:39
